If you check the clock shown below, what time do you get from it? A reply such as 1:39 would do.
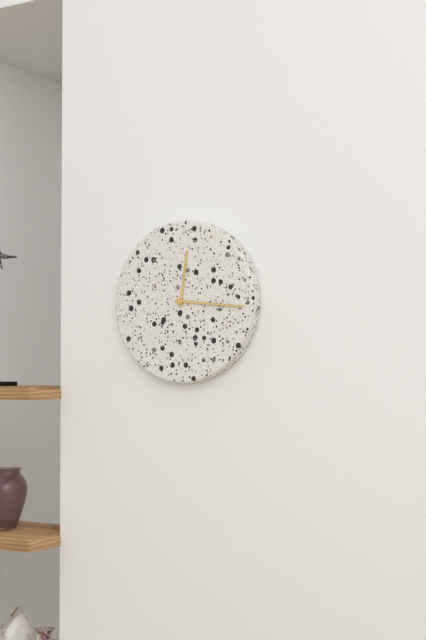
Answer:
12:16
